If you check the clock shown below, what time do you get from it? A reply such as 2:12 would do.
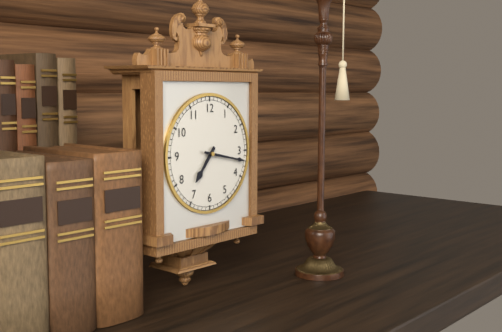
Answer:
7:17
